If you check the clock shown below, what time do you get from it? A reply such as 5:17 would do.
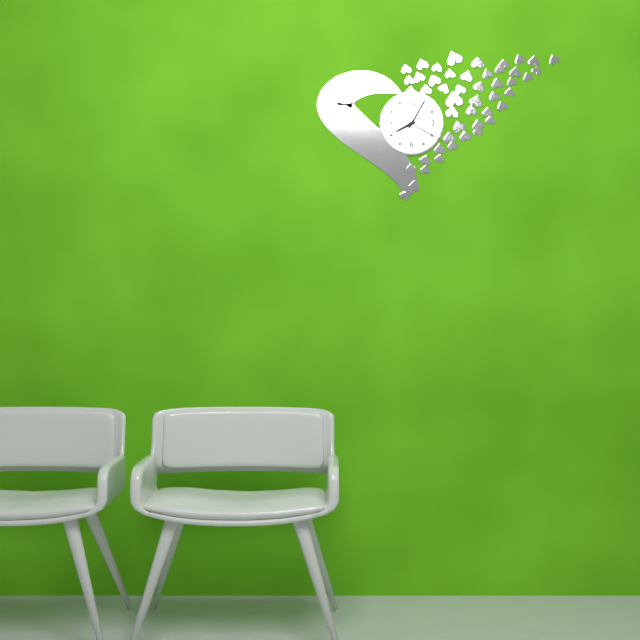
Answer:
8:05
